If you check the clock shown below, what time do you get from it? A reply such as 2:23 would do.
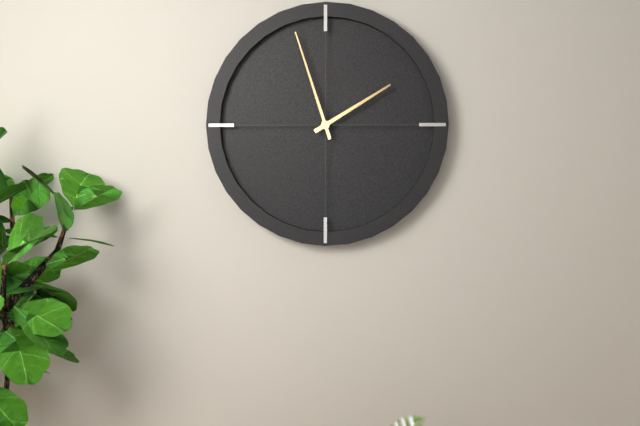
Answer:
1:57
